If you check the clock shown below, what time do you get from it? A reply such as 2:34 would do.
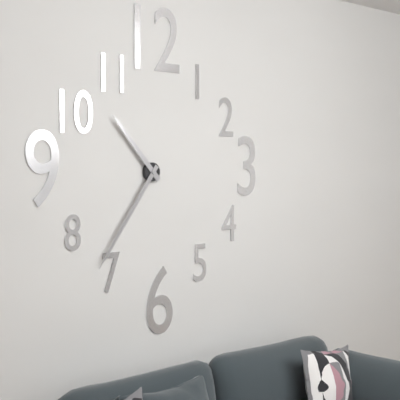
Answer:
10:36
